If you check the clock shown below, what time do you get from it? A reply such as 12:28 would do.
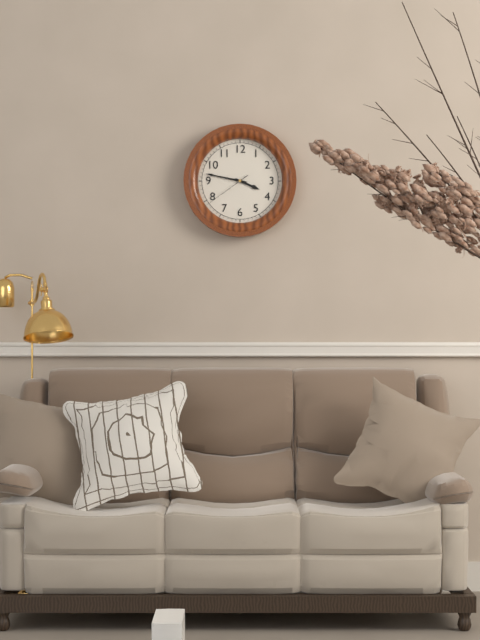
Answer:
3:47
